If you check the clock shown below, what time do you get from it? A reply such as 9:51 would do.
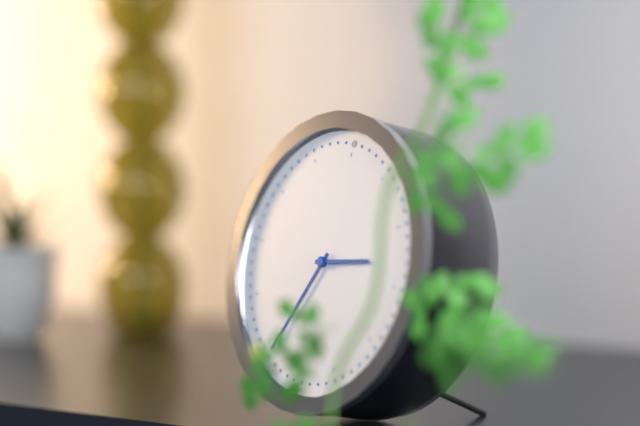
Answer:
2:34
